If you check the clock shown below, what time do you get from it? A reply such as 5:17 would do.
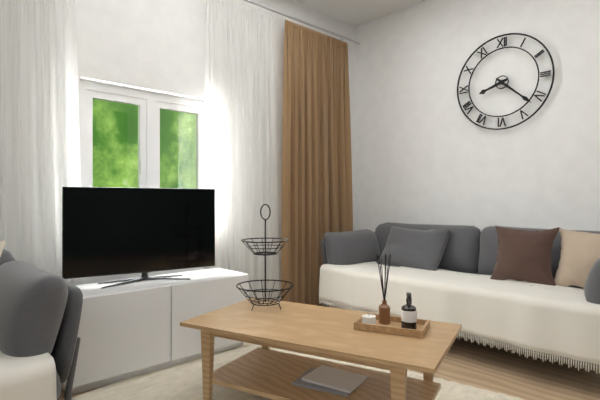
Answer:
8:22
